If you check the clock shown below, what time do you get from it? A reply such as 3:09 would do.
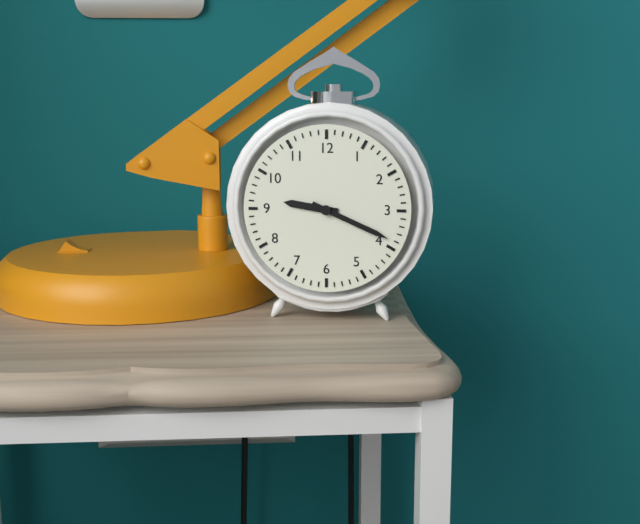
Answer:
9:19
